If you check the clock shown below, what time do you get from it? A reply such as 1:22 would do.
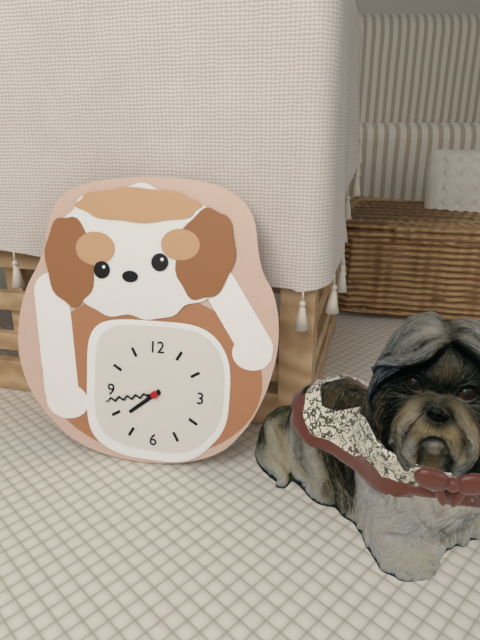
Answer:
7:43
